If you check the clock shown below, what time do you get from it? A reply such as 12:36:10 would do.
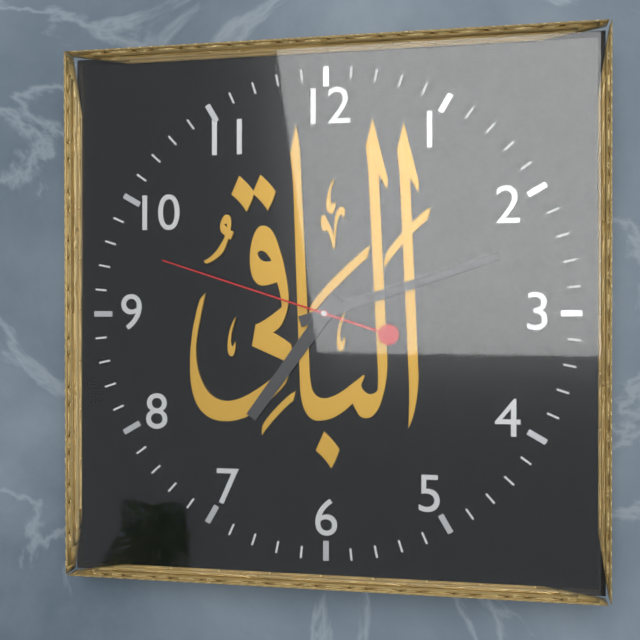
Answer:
7:12:48
